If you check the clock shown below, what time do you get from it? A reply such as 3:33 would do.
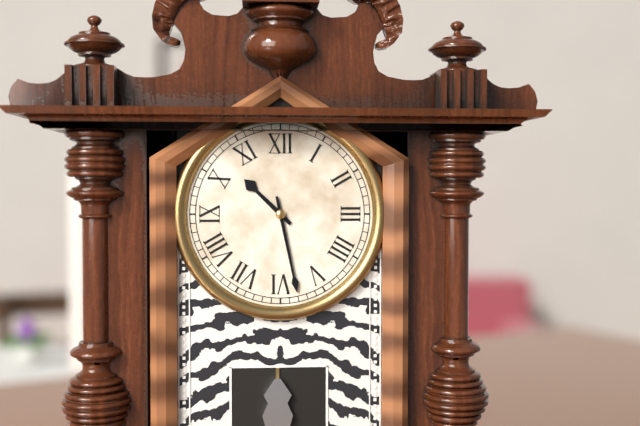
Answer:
10:28
